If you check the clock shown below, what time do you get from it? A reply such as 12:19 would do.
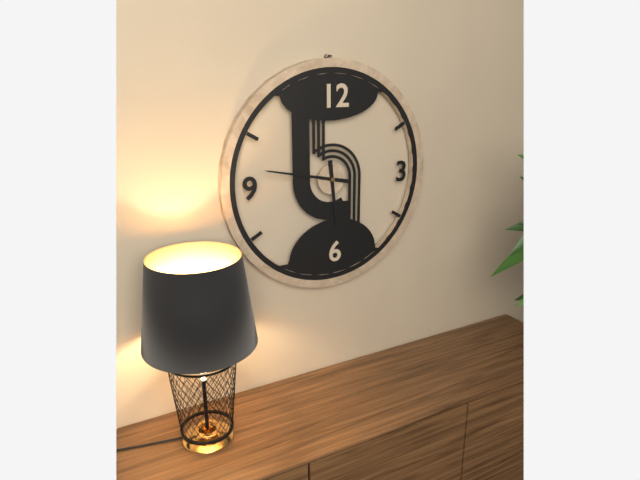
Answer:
5:47
